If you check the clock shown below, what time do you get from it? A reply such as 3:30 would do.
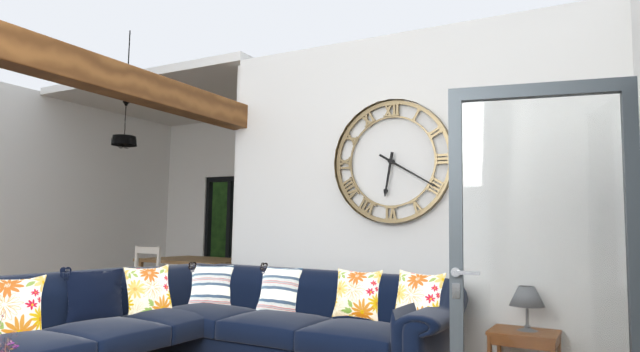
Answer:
6:20
